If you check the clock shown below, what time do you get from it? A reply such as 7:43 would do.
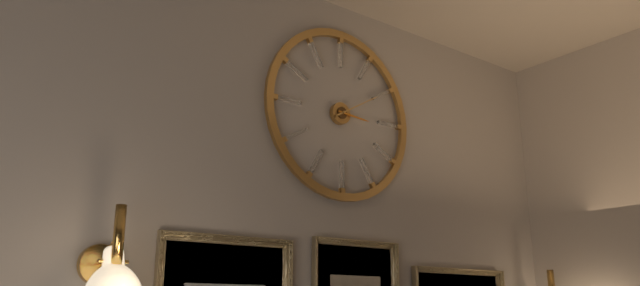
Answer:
3:10
